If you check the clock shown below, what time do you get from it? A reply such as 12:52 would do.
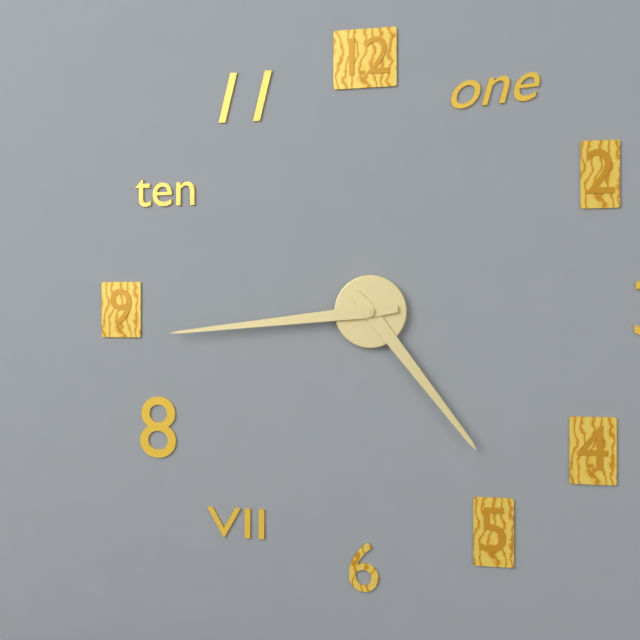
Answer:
4:44
